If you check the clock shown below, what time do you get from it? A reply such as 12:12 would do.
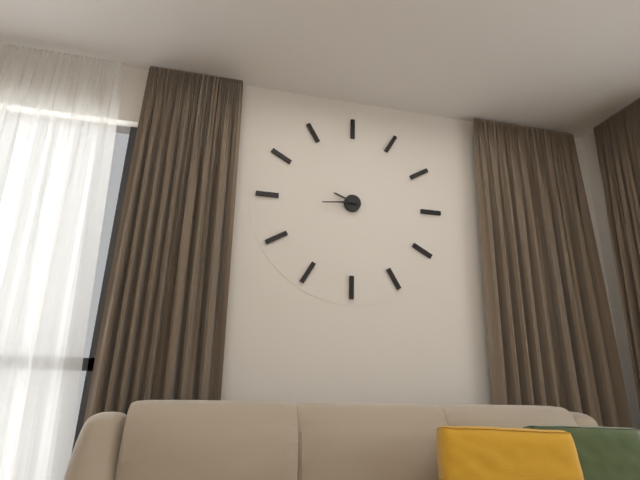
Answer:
9:44
